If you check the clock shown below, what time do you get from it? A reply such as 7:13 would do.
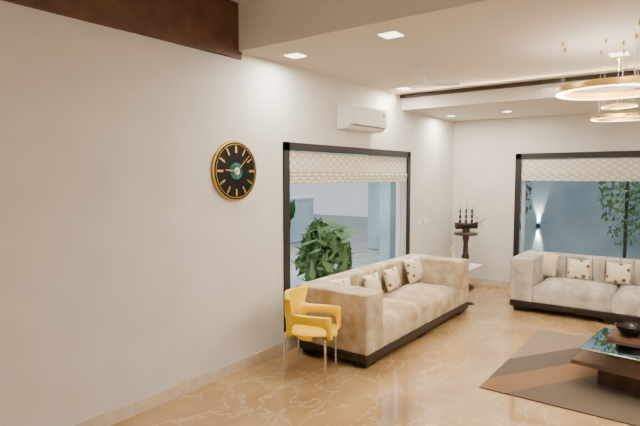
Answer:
9:08
